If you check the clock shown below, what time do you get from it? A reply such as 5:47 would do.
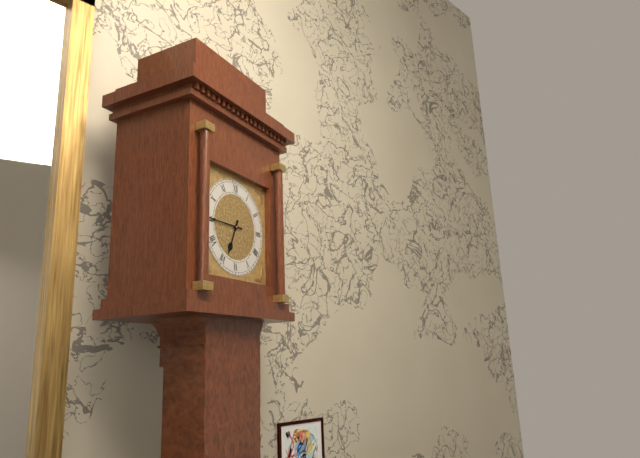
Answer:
6:45
